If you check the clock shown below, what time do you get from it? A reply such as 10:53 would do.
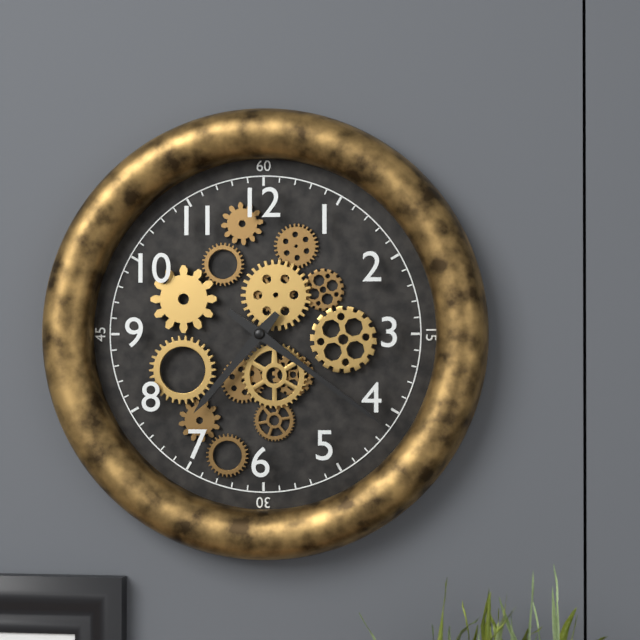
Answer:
7:21
